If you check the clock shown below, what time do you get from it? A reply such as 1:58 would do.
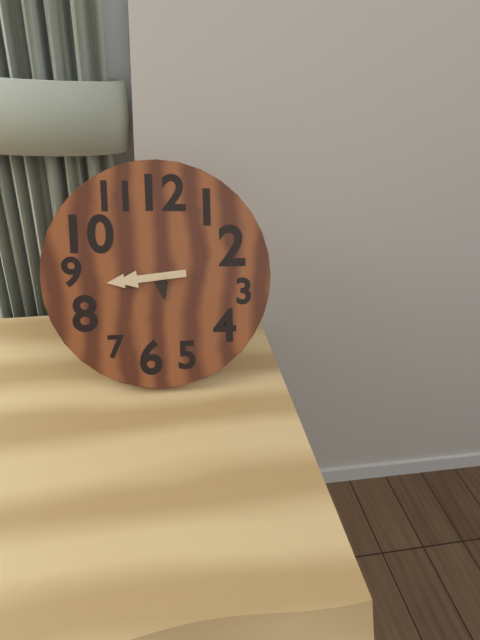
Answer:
5:44
